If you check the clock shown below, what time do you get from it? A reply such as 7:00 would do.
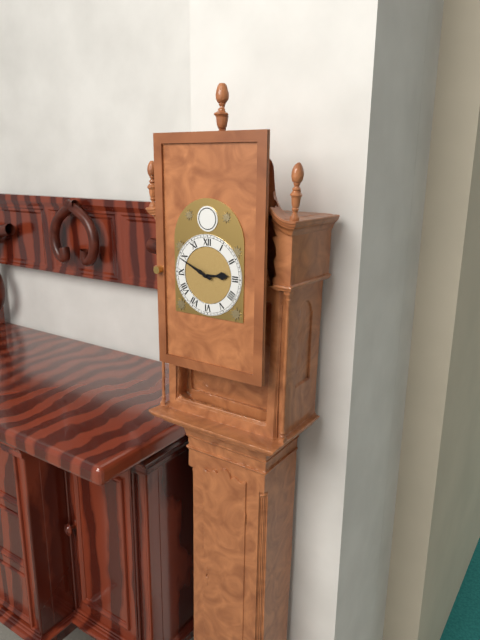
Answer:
2:49
